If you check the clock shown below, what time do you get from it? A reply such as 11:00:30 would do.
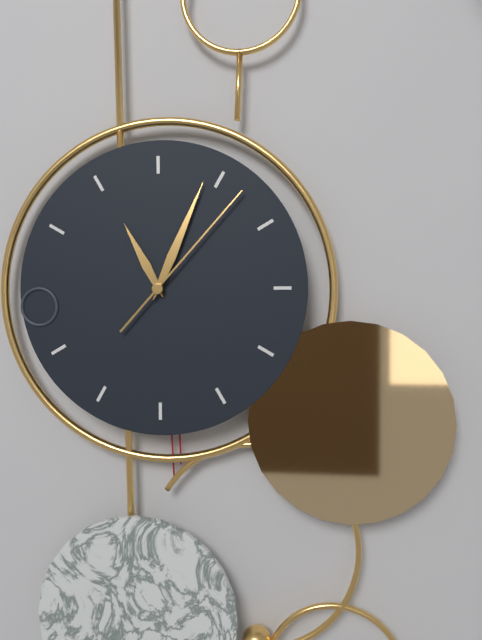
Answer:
11:04:07
